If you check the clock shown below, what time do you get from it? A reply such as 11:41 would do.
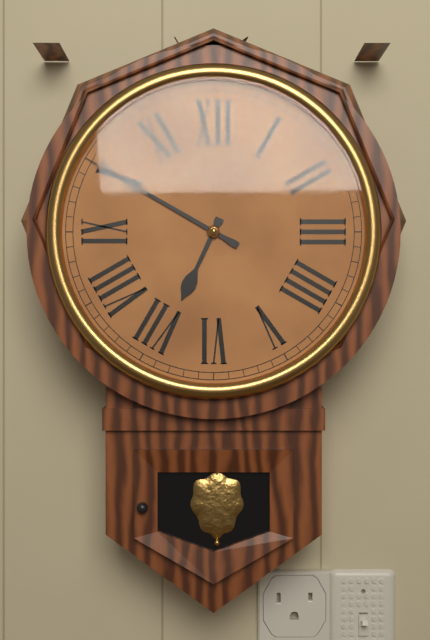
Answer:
6:50
